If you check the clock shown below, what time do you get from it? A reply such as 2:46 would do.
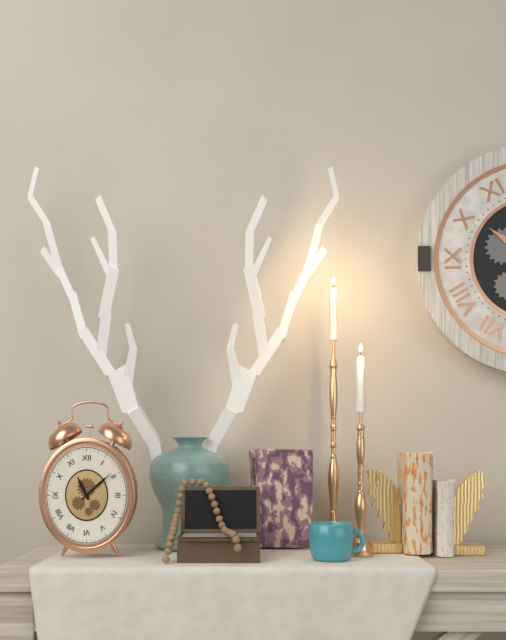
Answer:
11:08
